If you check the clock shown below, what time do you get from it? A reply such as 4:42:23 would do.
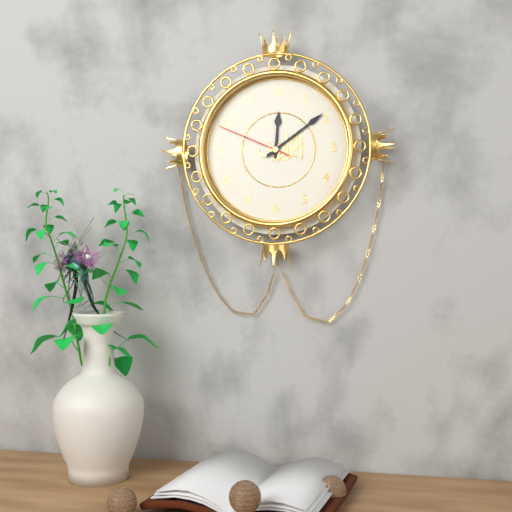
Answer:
12:09:49
